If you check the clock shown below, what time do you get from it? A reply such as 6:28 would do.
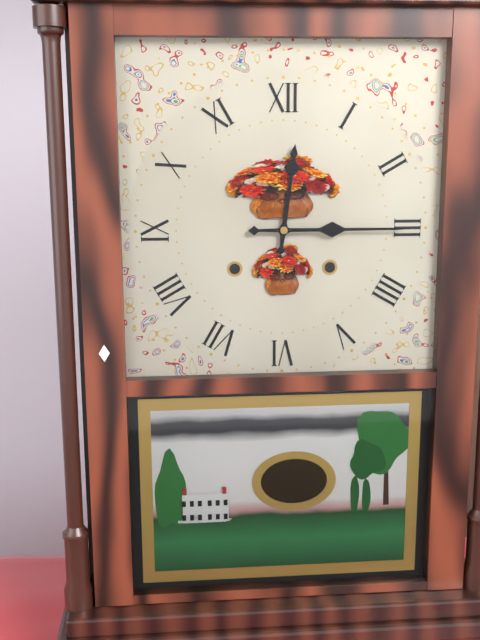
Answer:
12:15
